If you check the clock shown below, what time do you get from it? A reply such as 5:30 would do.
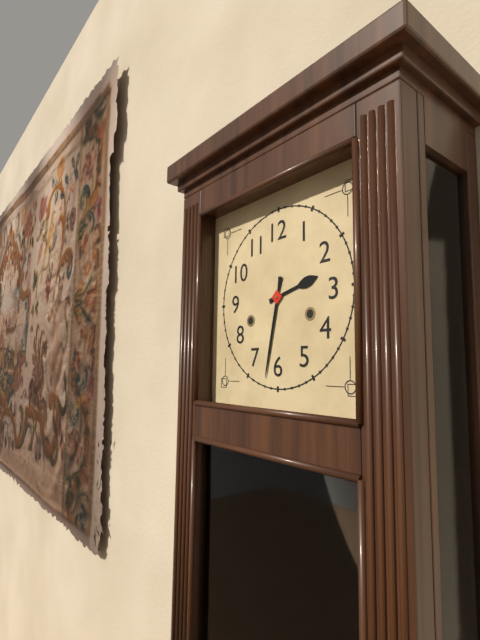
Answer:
2:32
